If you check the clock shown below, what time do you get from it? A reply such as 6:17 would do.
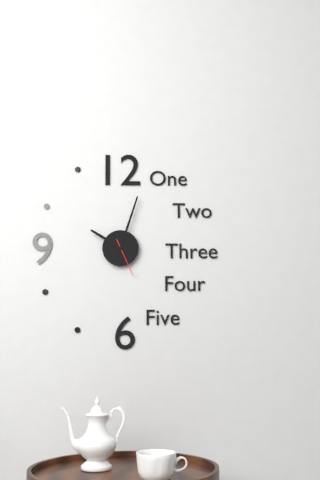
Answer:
10:03
